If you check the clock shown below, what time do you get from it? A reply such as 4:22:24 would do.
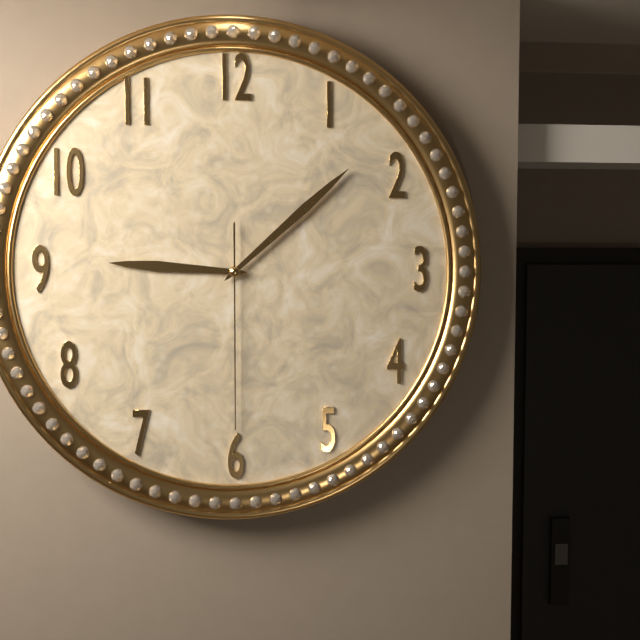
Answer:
9:08:30
